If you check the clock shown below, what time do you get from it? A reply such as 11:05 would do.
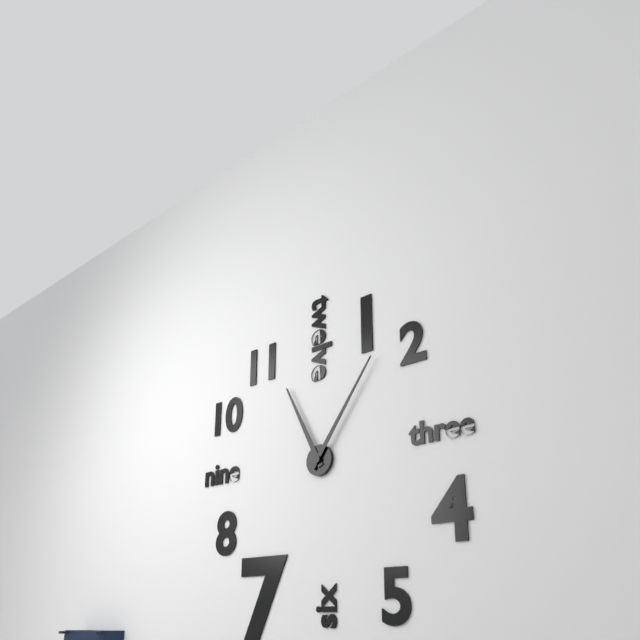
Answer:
11:06
